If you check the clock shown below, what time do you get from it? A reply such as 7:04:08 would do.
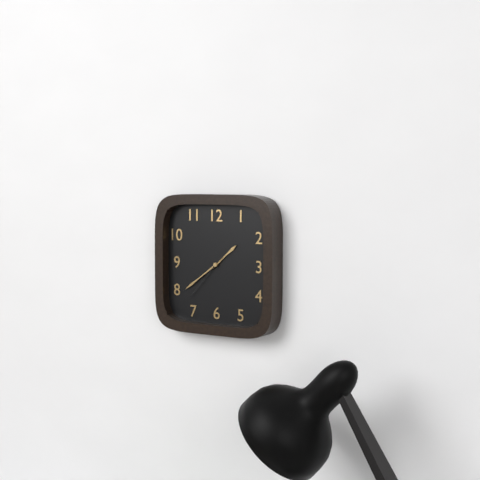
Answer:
1:39:37
